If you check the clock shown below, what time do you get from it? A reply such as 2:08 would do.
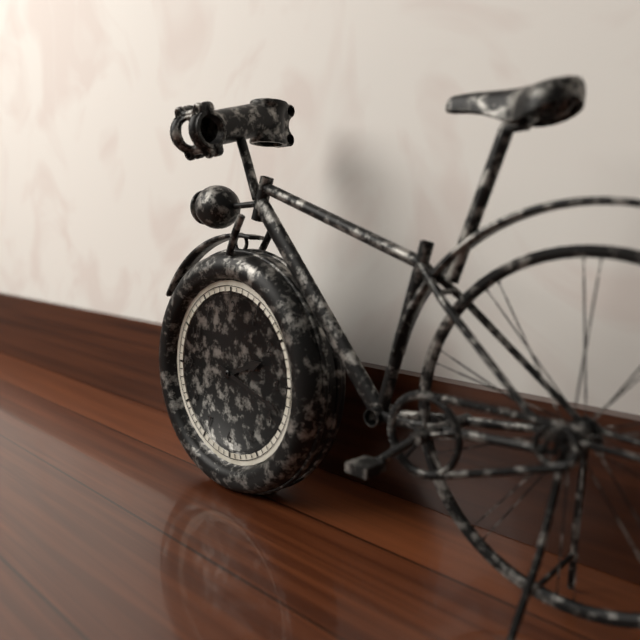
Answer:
2:18
